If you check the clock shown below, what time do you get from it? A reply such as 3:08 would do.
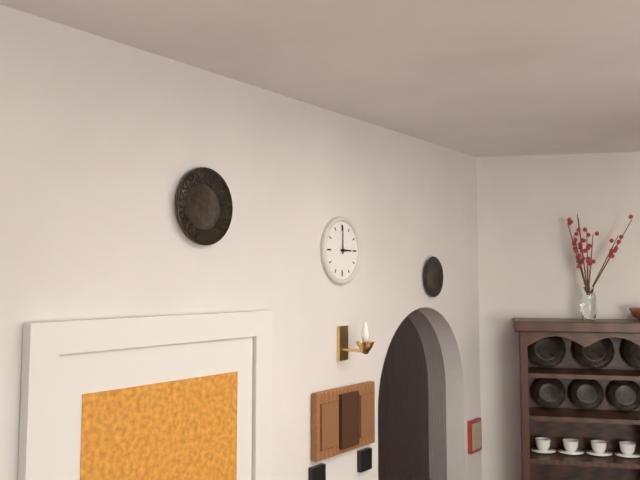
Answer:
3:00
